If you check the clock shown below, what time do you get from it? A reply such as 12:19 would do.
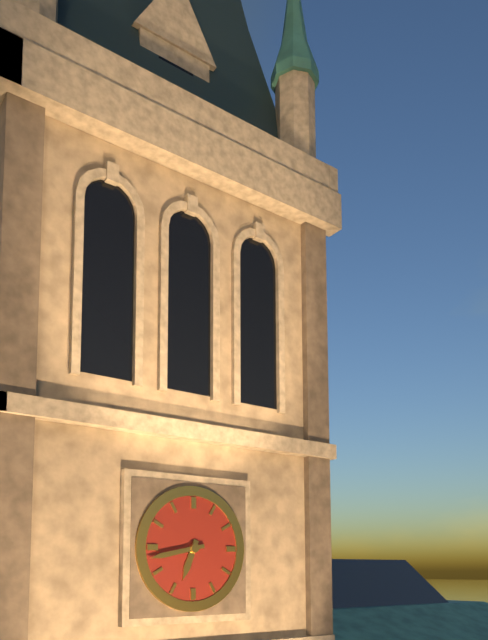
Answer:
6:43
